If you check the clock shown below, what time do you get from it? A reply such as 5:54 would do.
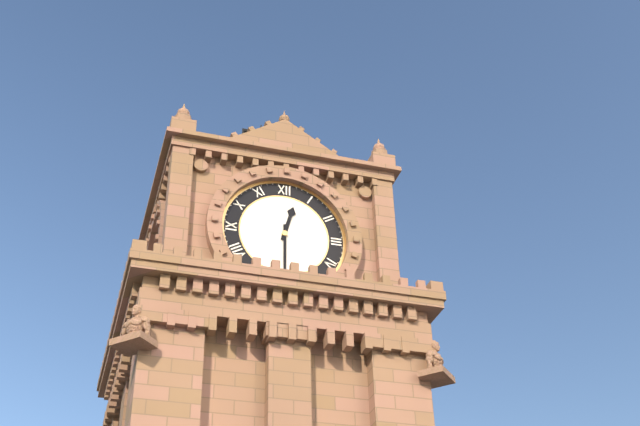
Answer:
12:30
